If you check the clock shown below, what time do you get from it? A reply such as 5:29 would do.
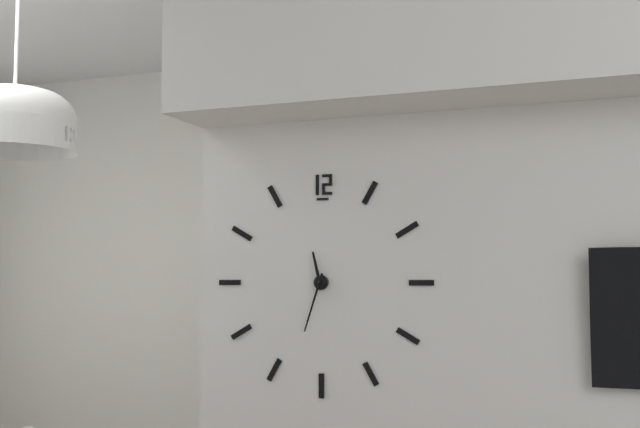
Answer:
11:33
